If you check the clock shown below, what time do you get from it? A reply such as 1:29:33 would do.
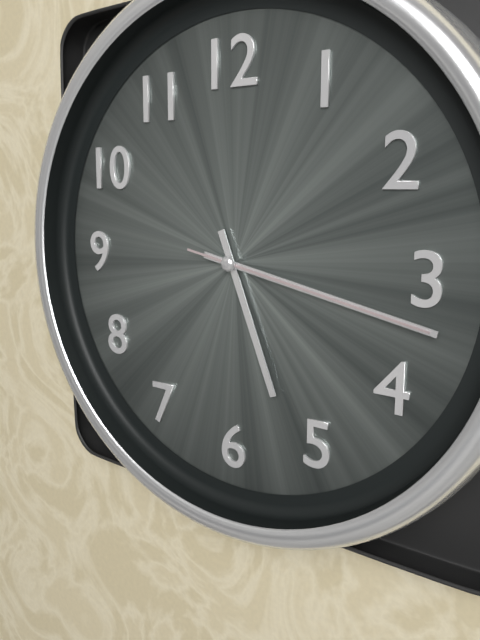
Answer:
5:17:17
